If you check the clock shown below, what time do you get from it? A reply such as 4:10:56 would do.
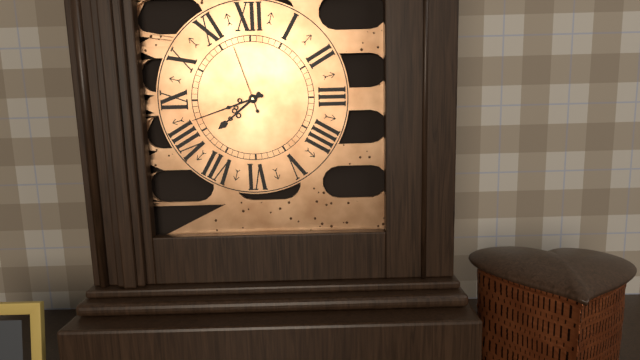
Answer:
7:42:57
